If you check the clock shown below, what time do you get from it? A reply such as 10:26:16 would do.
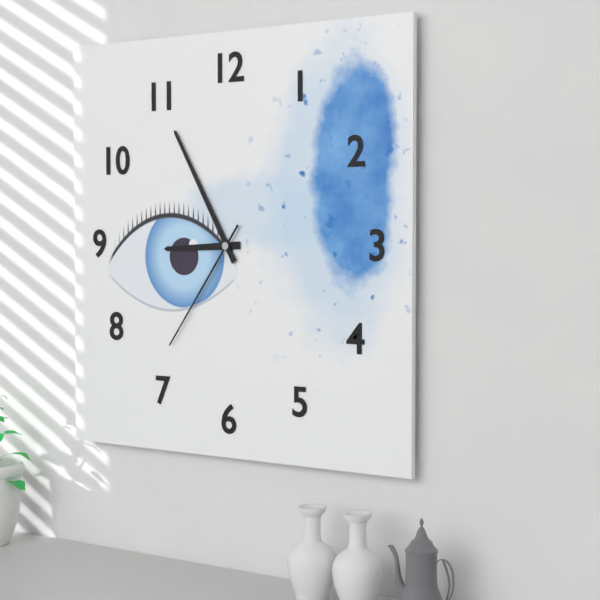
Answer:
8:55:36
